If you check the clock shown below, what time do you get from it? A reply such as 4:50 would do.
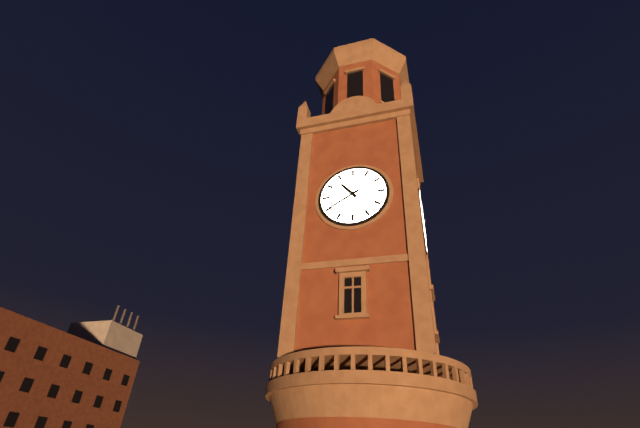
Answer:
10:40
